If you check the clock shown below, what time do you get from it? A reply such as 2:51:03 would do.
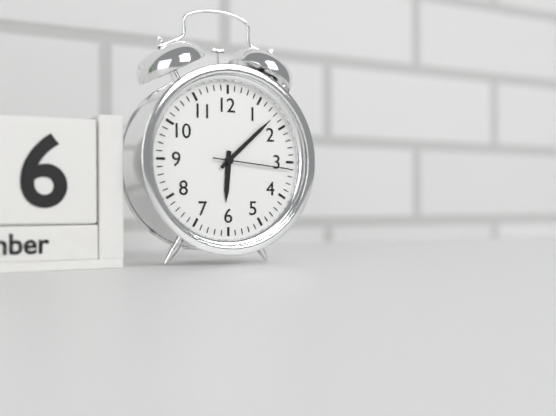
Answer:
6:08:16
